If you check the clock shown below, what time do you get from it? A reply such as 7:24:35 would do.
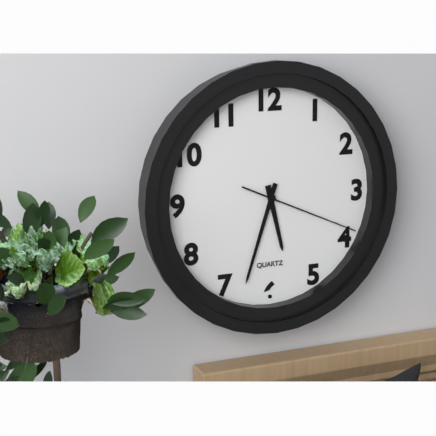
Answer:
5:33:19
